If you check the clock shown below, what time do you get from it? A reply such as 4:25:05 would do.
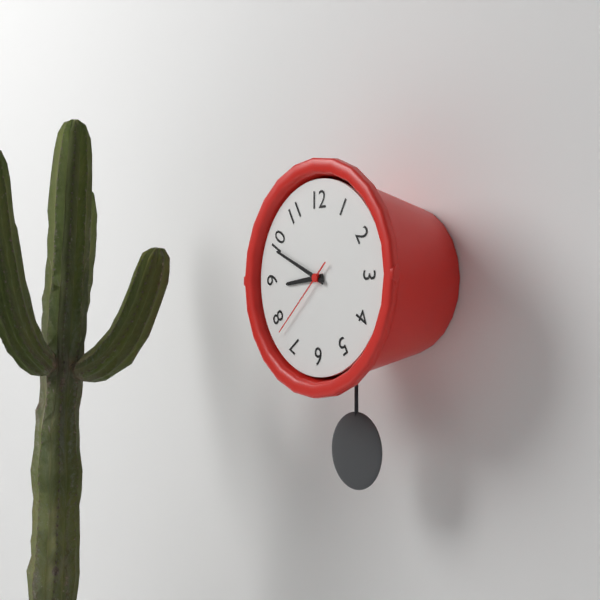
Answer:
8:49:38
